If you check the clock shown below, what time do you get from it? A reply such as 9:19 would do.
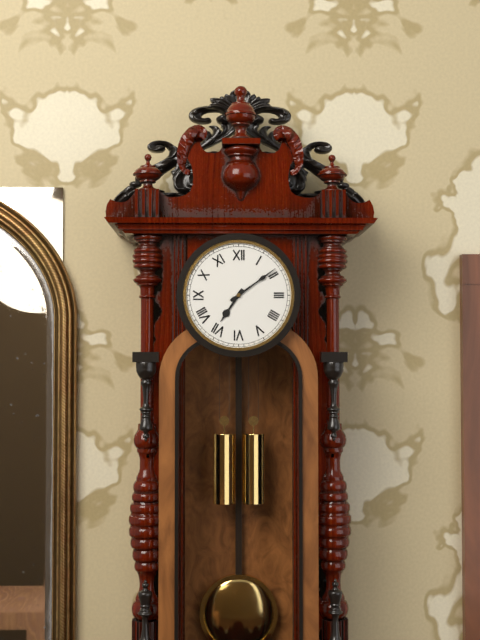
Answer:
7:09
